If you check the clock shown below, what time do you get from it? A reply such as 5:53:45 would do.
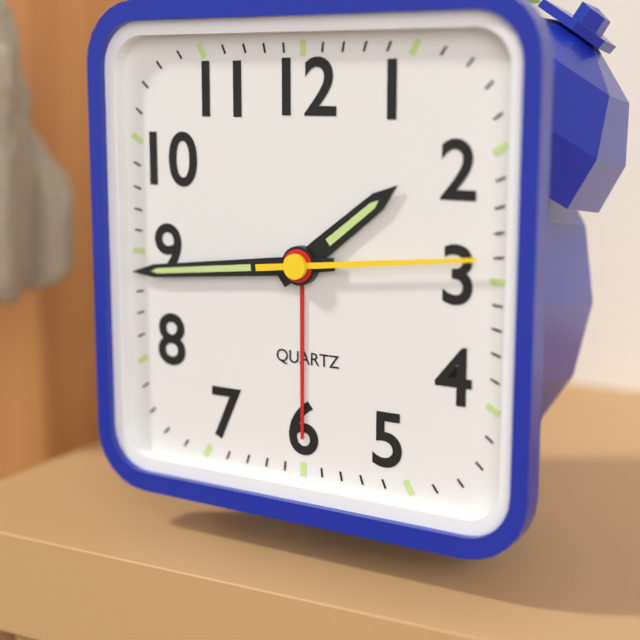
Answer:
1:44:14
